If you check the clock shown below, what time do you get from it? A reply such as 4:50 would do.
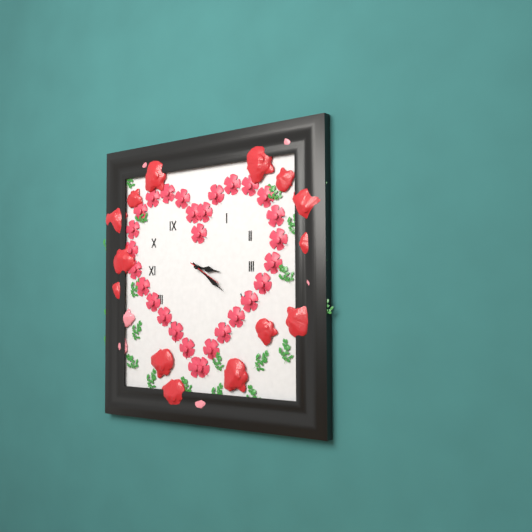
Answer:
3:21
